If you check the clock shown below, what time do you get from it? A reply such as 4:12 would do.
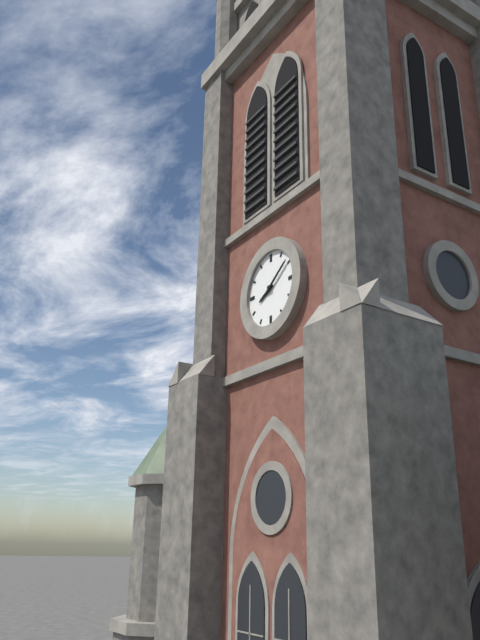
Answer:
8:09
